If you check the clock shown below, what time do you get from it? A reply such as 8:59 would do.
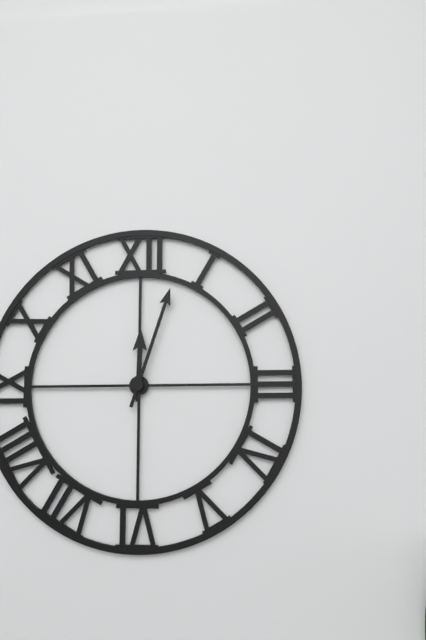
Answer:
12:03
